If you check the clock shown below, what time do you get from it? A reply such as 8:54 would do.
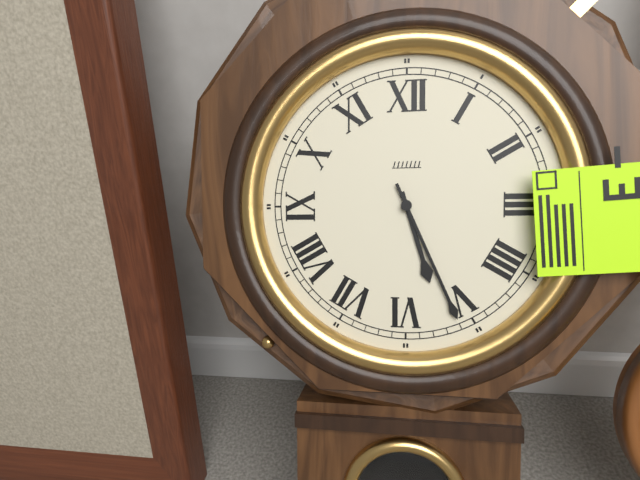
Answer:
5:26
